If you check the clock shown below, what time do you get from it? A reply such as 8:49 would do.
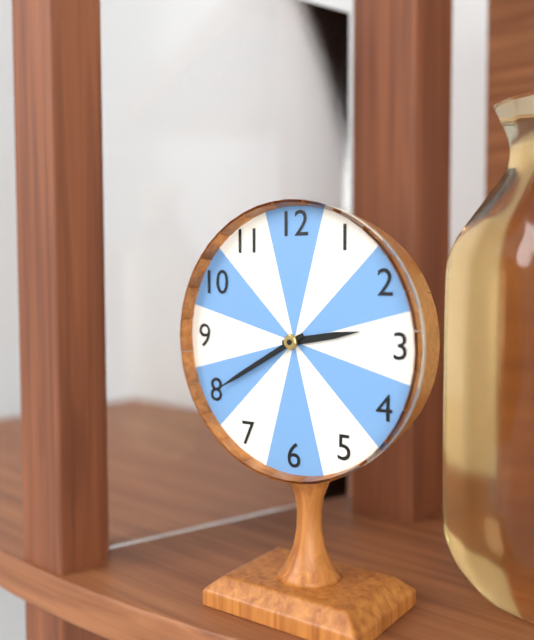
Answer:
2:40
